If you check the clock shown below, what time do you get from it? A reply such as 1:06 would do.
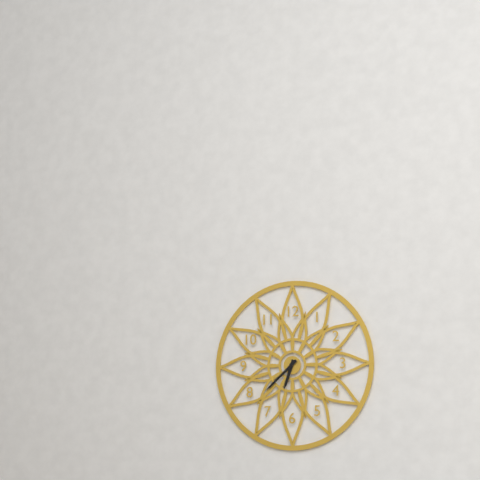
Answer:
6:38
